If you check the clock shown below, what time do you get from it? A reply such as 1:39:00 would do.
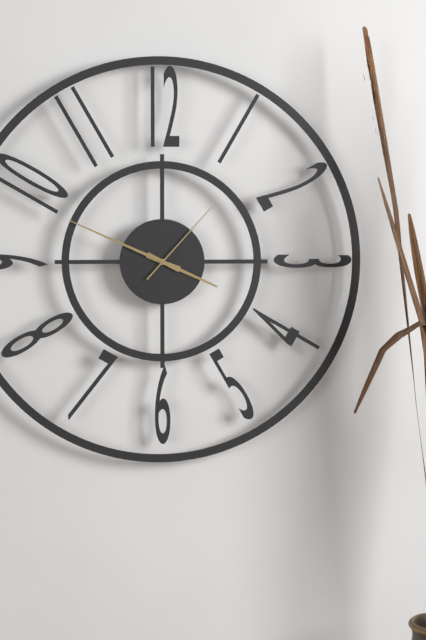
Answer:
3:49:07
